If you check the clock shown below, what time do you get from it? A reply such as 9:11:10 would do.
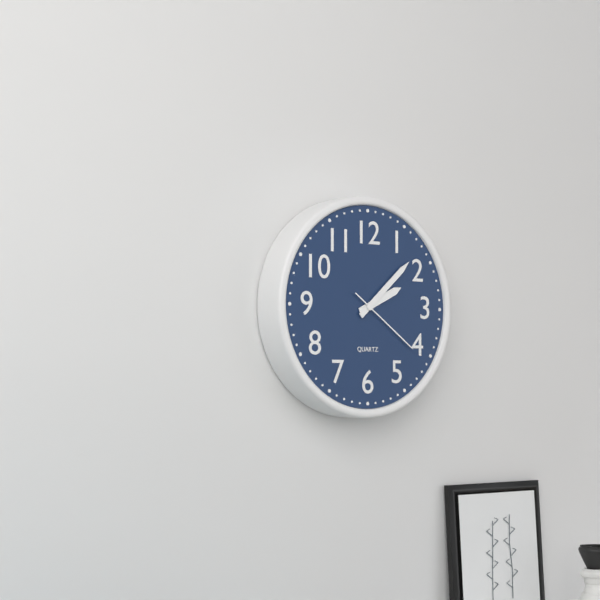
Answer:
2:08:21
